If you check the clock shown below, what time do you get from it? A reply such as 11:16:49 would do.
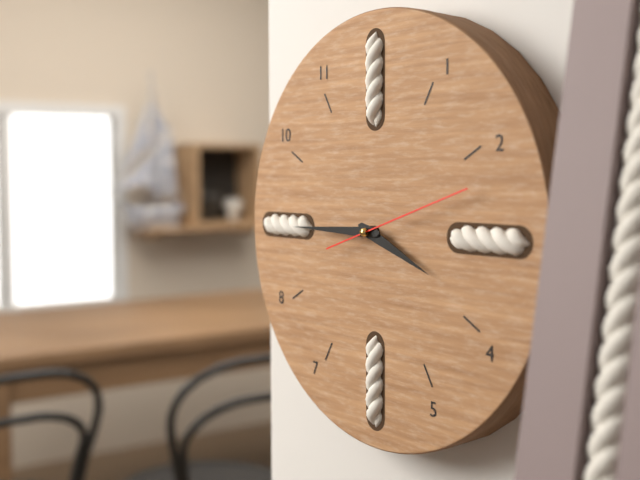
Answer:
3:45:12
